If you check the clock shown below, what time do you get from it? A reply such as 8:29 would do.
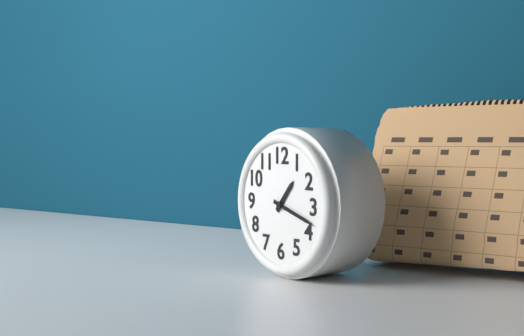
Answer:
1:18
